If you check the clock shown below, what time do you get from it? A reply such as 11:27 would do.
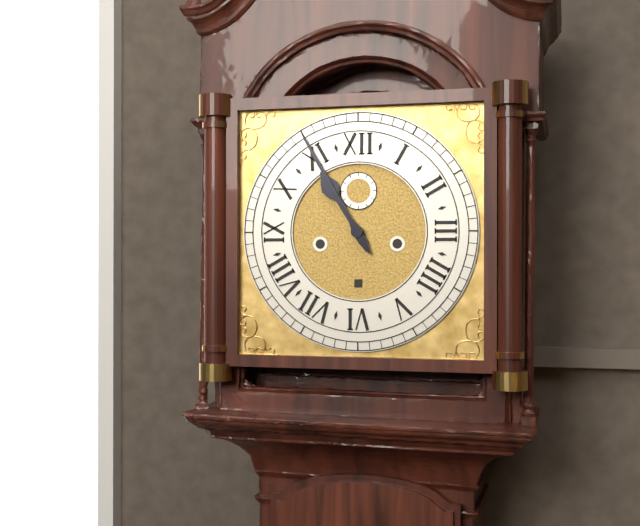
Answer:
10:55
